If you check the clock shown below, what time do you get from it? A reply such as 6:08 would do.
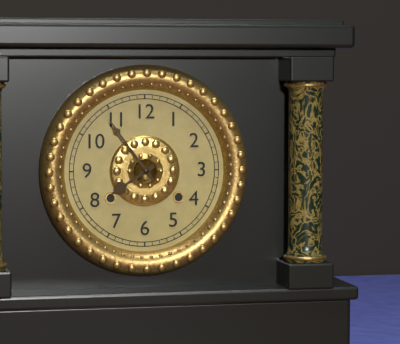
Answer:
7:54
